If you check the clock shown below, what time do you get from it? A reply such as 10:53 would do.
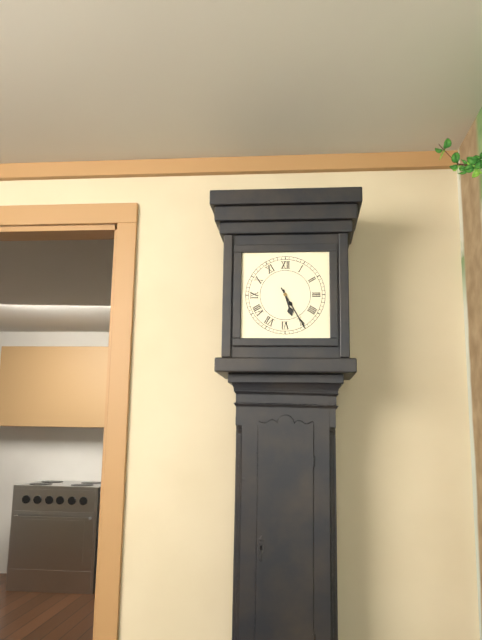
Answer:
5:25
